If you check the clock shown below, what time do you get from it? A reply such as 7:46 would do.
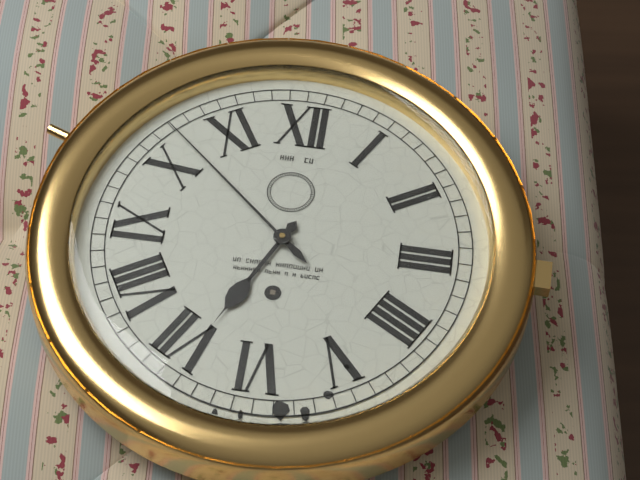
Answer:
6:52
